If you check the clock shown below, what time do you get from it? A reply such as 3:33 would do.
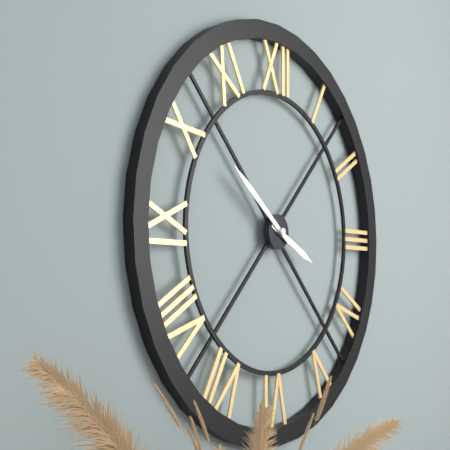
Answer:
3:51
